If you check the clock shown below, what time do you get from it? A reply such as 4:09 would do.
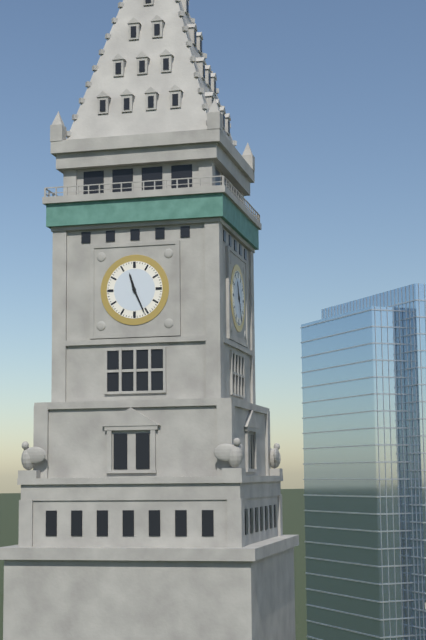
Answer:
11:26
